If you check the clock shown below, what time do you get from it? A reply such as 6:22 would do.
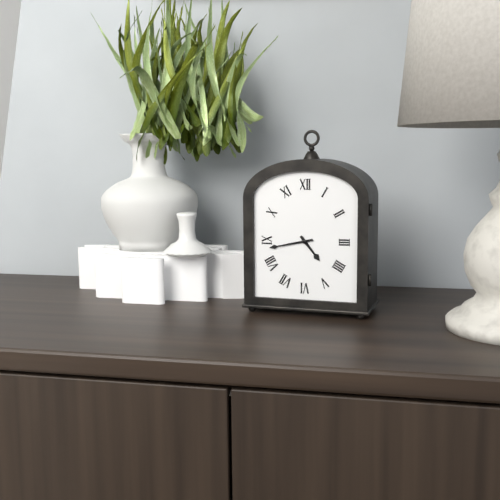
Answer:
4:43
